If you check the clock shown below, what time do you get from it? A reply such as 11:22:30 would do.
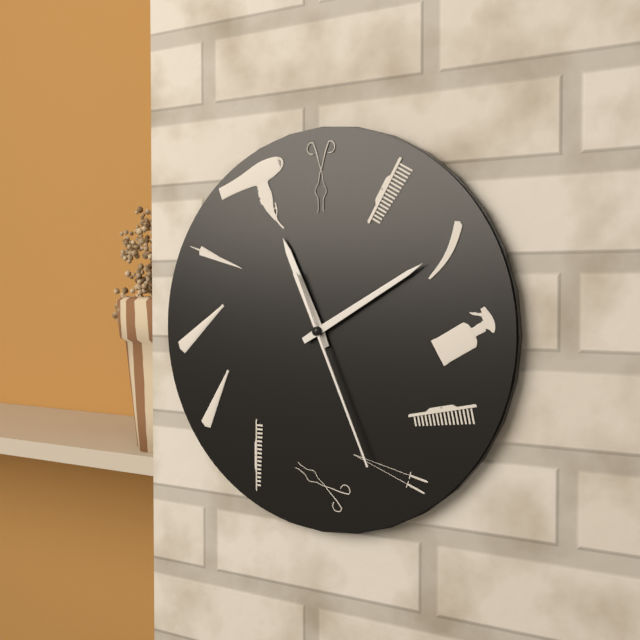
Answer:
11:10:26
